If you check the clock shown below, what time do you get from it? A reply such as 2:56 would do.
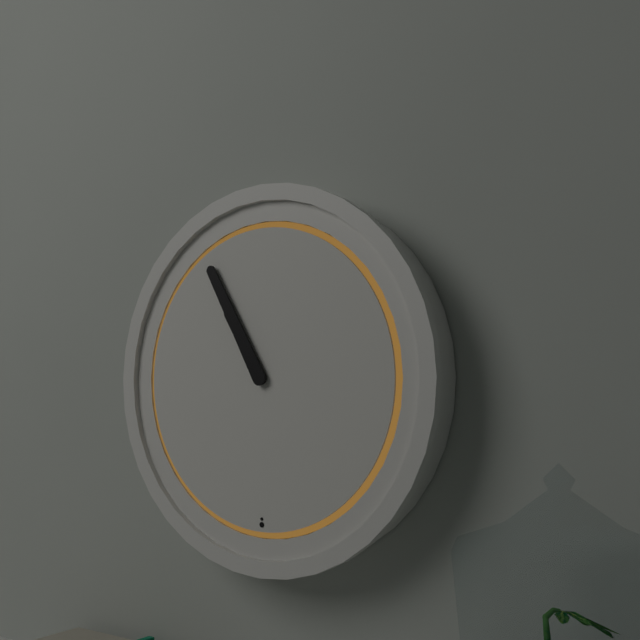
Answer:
10:55
